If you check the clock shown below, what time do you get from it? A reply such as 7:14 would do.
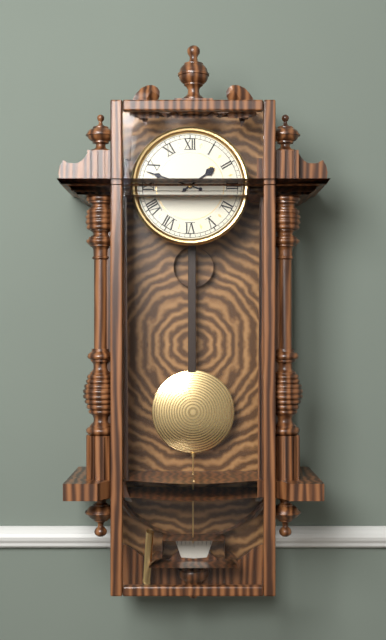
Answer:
1:48
